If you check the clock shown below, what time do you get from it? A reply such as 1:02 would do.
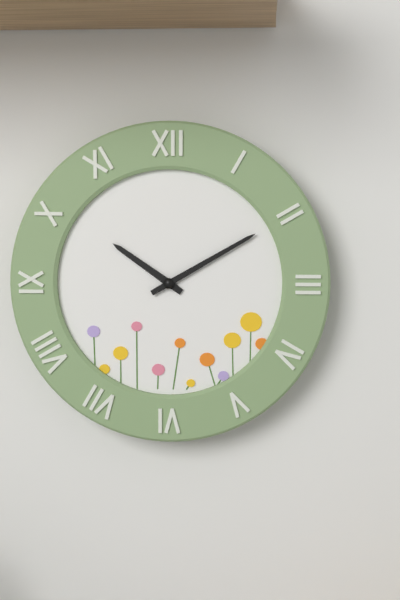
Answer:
10:10
